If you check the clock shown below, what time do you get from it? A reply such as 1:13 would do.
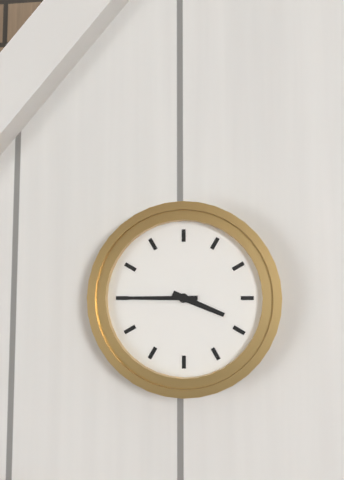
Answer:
3:45
